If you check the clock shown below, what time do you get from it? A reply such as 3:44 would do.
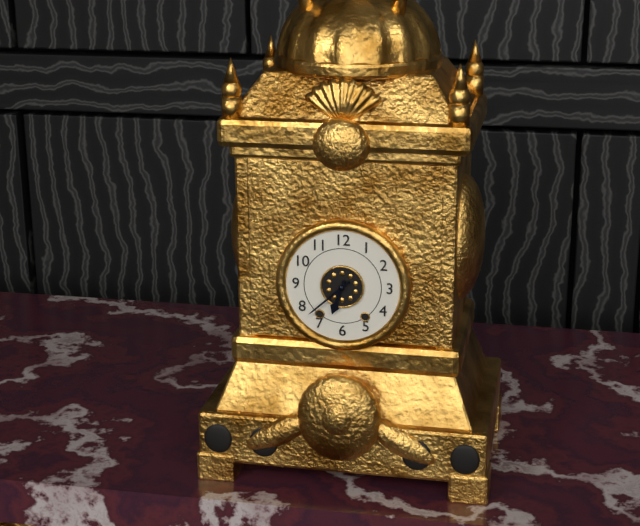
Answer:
6:38
